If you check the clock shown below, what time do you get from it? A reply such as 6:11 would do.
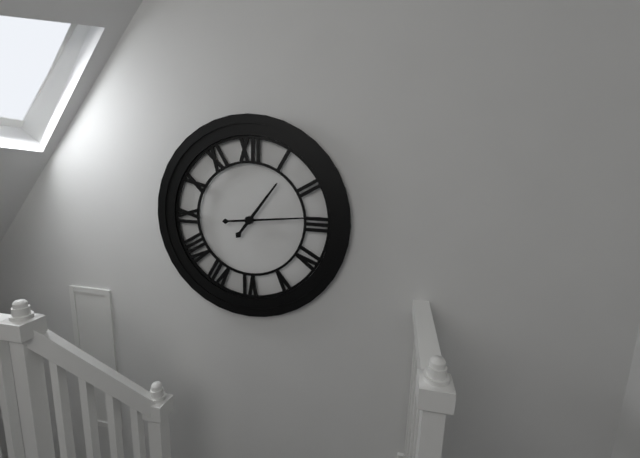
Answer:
1:14
